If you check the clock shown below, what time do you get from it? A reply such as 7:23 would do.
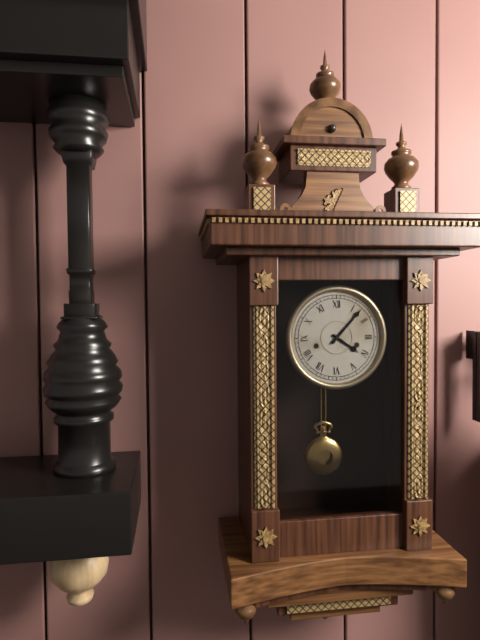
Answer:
4:07
